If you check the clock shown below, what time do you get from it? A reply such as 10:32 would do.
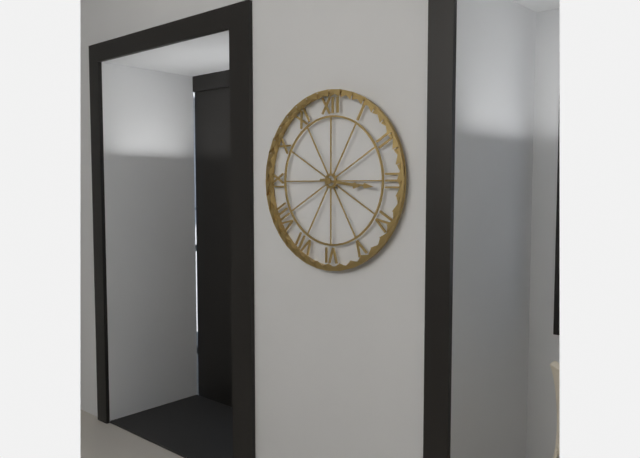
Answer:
3:16
